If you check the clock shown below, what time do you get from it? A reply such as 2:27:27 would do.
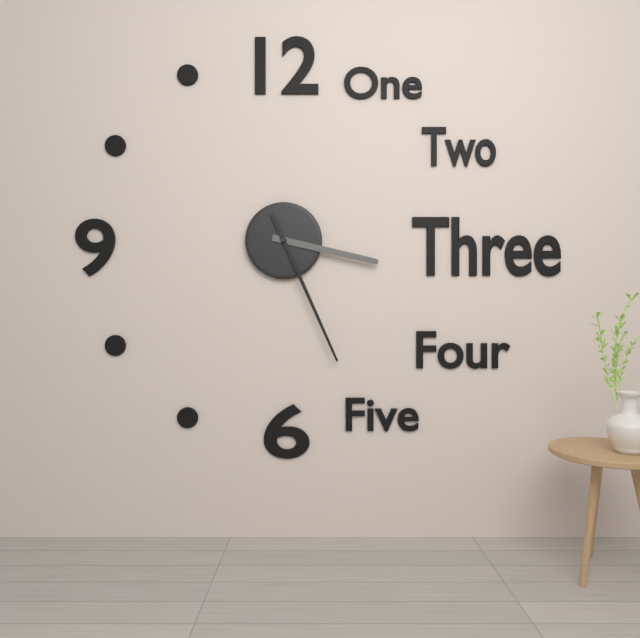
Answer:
3:26:26
